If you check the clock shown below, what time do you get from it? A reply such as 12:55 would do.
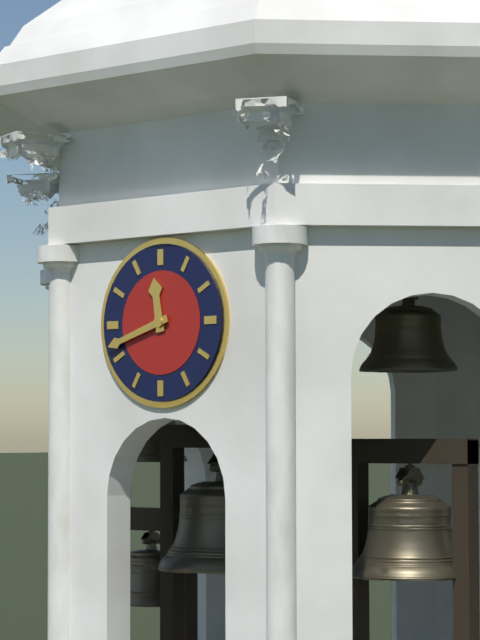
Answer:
11:42
